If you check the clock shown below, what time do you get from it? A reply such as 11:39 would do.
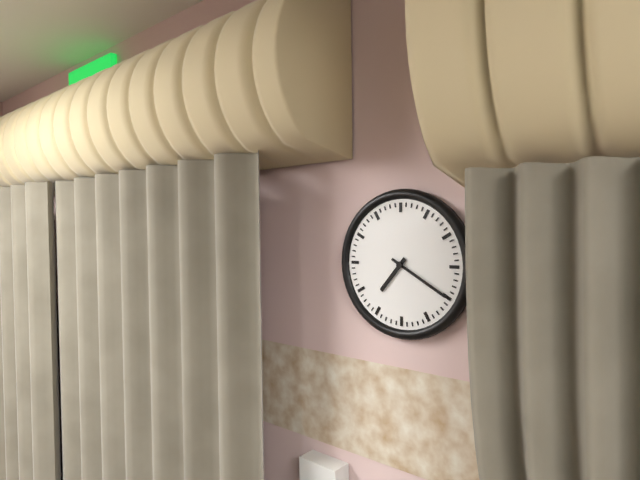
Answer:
7:20
